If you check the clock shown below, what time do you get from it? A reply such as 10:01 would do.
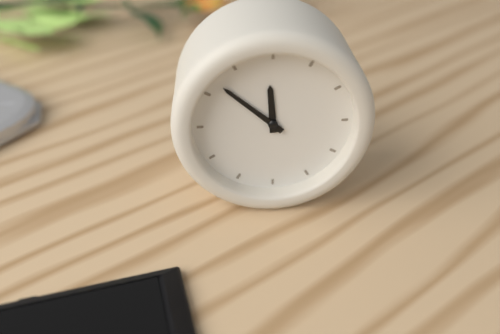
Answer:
11:52
